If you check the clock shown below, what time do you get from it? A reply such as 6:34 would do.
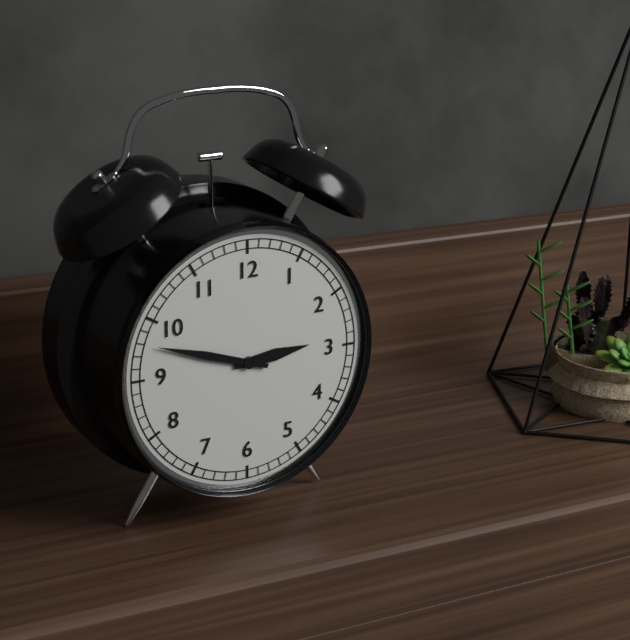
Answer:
2:48
